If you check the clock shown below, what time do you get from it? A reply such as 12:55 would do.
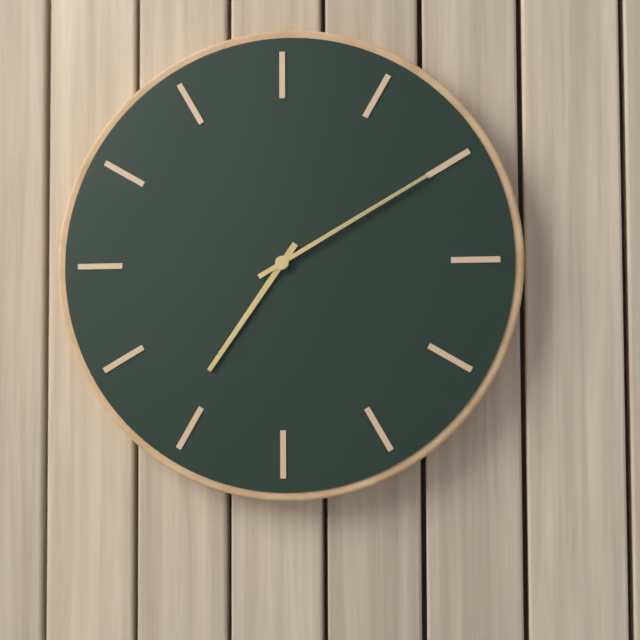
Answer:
7:10
